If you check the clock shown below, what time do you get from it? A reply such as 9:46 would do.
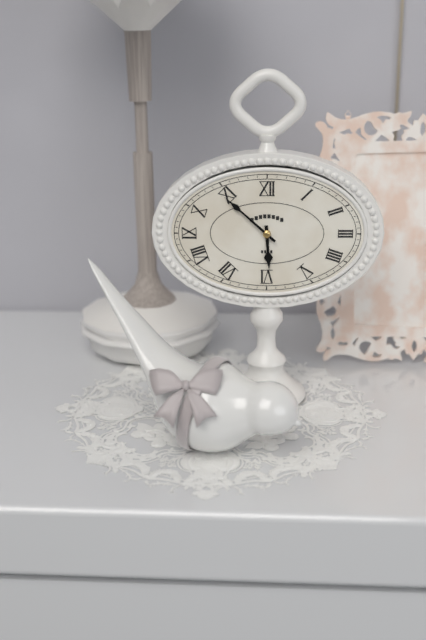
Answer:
5:52
